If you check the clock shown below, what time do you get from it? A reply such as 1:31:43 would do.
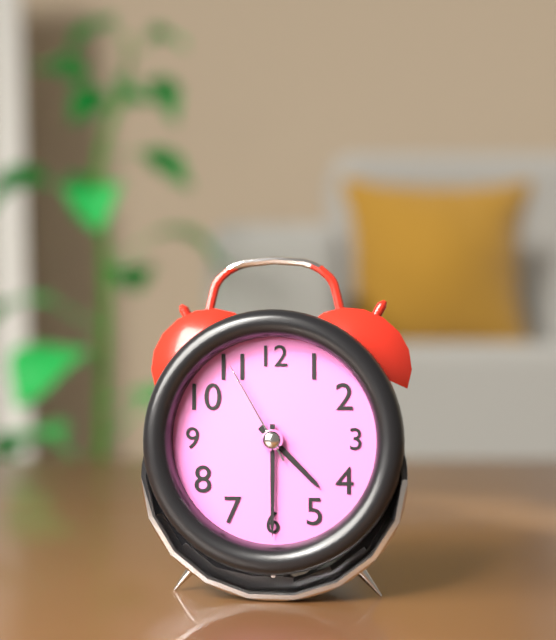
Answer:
4:30:55
